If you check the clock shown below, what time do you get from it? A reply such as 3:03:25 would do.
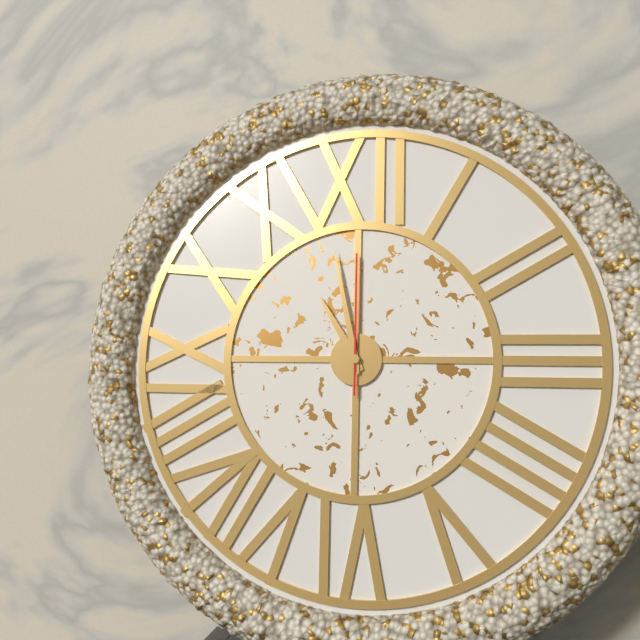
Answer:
10:58:00
